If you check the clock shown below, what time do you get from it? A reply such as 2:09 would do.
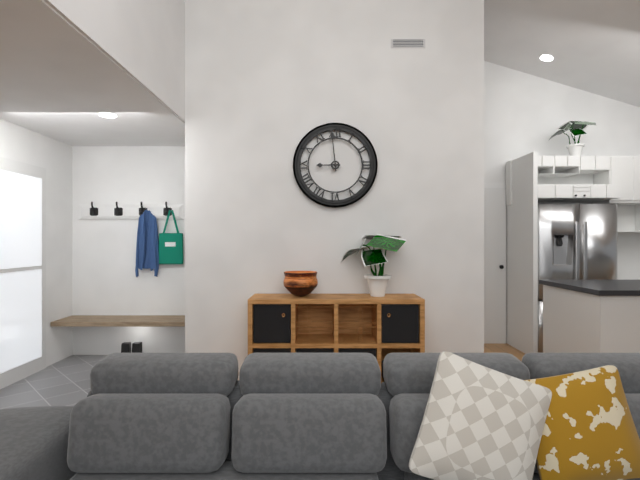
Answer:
8:59
